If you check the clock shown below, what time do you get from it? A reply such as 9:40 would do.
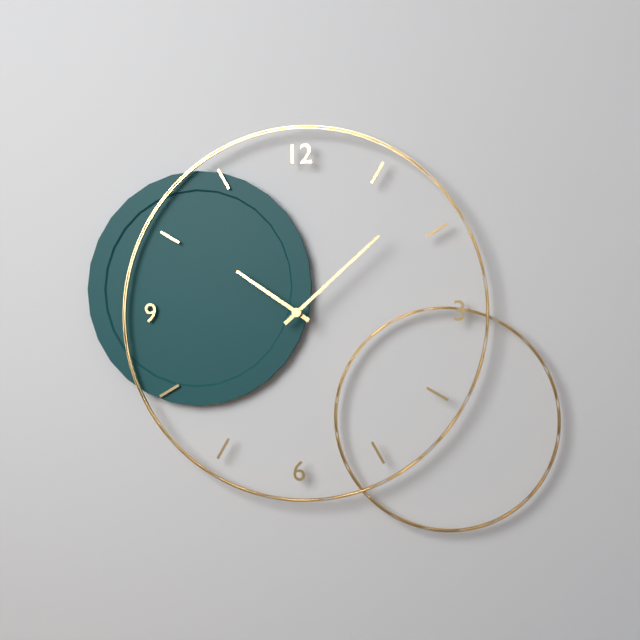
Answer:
10:08
